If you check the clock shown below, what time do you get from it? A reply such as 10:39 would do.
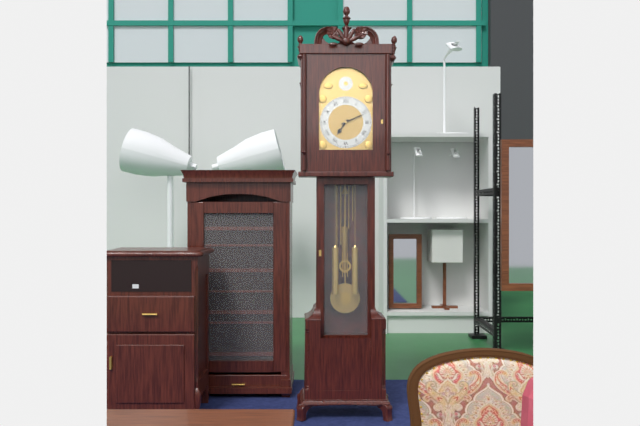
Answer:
7:11
